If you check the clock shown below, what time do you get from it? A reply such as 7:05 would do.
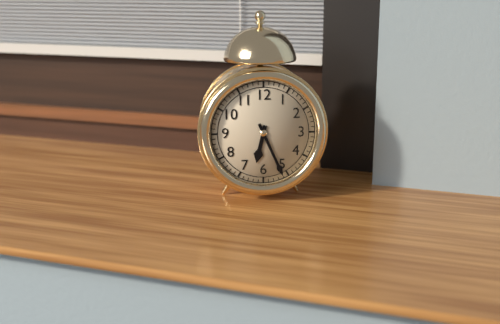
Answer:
6:26
